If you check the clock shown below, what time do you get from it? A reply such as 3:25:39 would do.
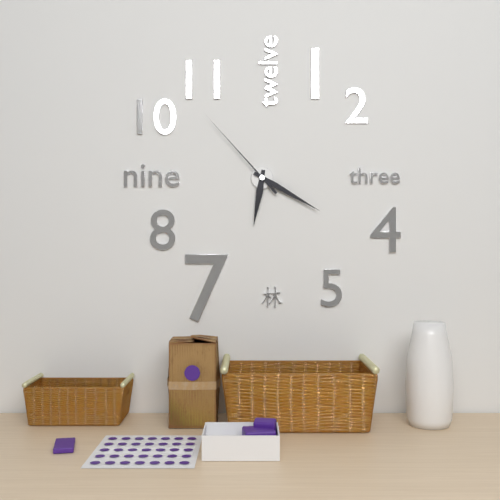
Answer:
6:20:53
